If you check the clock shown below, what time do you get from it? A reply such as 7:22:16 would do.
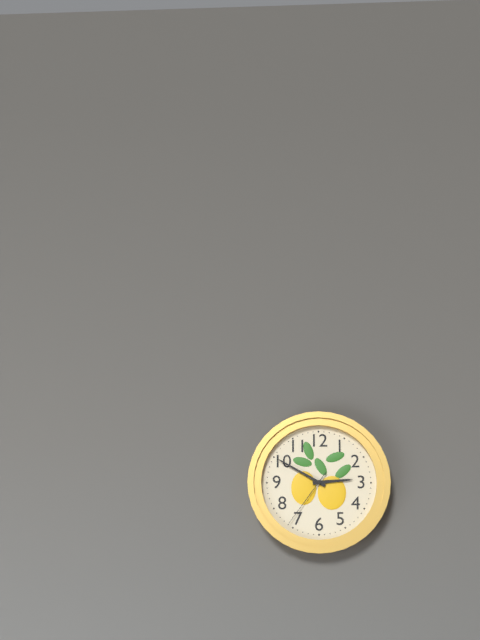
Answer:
2:50:36
